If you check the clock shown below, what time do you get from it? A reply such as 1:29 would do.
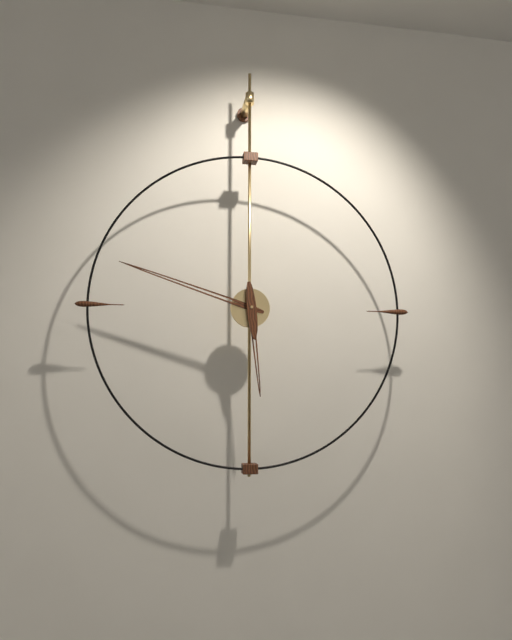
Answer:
5:48
